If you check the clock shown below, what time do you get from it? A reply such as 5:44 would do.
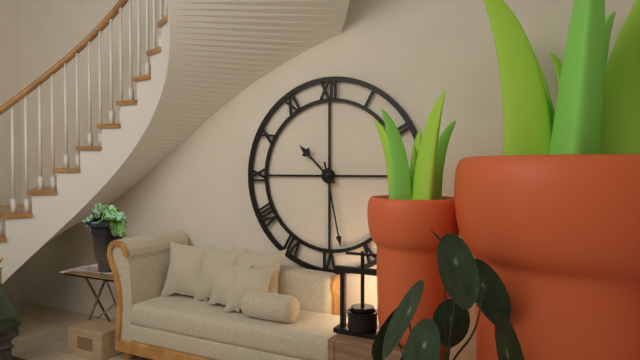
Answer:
10:28
